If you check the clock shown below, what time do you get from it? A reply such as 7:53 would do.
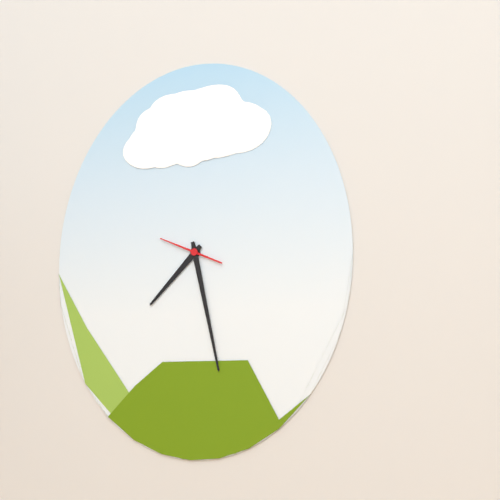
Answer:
7:28
